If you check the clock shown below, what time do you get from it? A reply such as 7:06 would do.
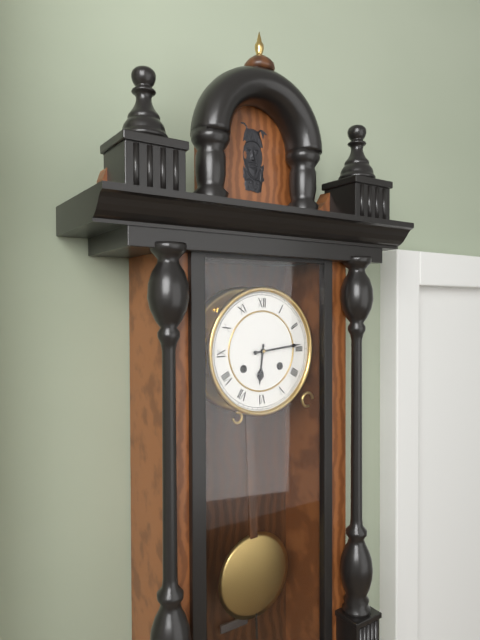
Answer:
6:14
